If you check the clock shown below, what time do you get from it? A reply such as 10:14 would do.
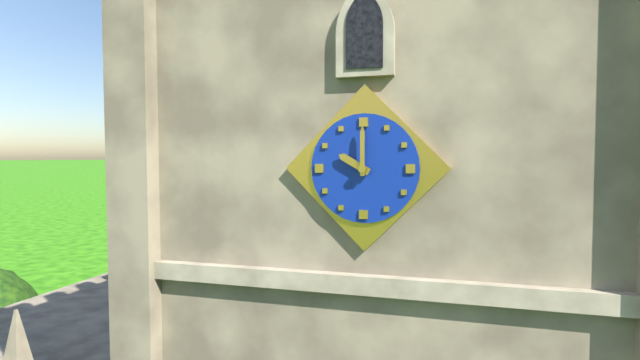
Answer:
10:00
